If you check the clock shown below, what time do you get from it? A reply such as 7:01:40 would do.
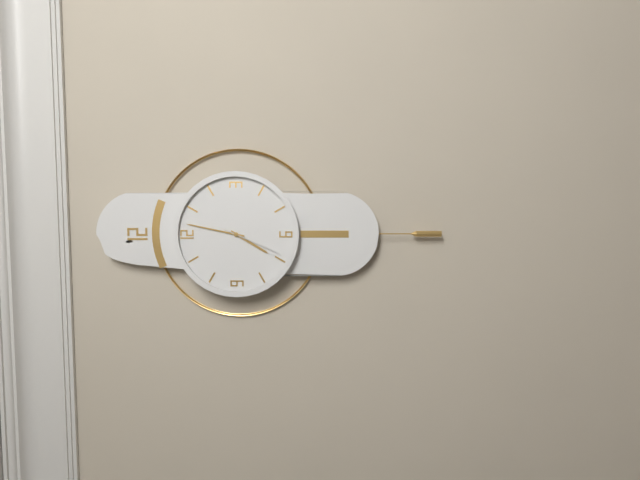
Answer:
7:02:34
